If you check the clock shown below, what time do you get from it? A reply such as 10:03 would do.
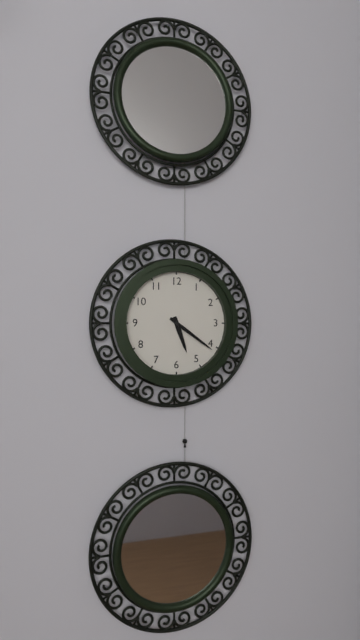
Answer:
5:21
